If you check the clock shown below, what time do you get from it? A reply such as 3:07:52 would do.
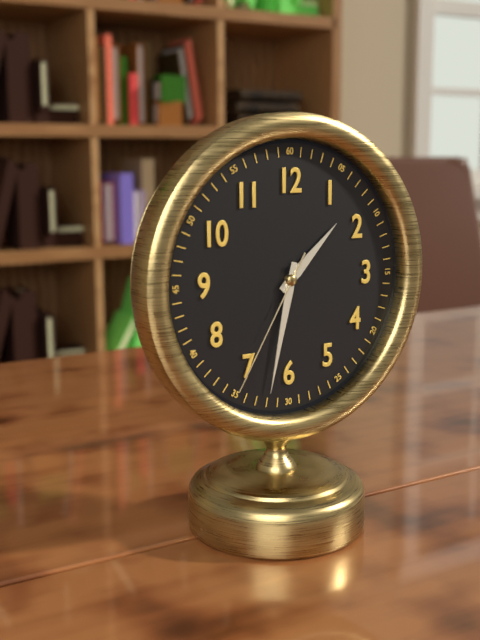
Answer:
1:32:35
